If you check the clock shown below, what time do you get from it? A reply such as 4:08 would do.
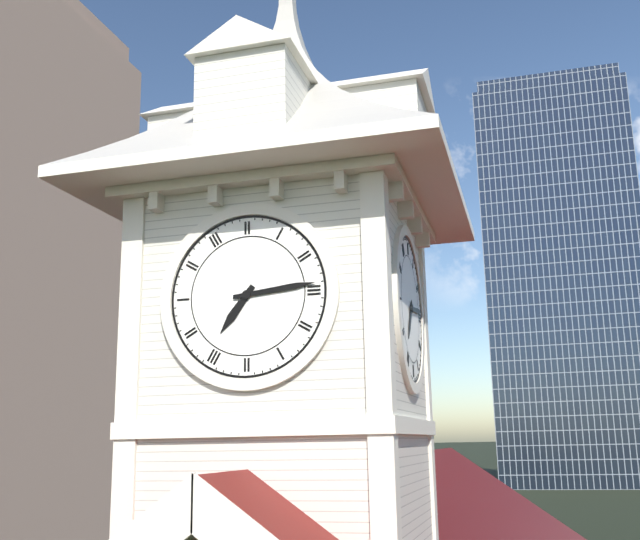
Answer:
7:14
